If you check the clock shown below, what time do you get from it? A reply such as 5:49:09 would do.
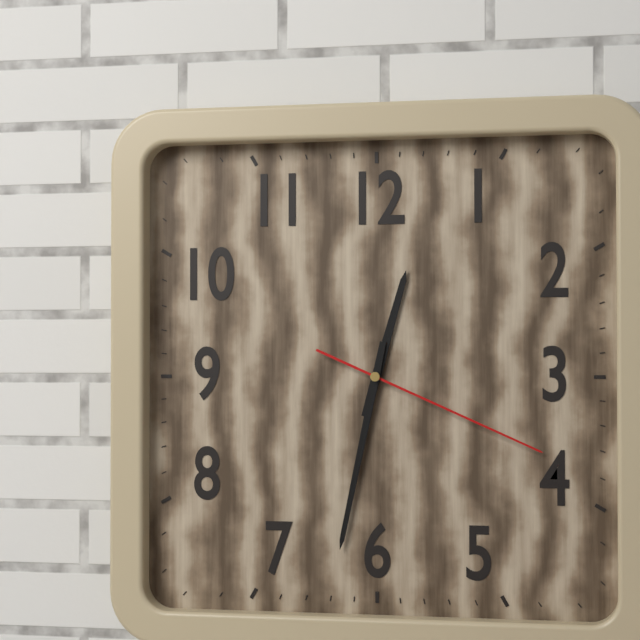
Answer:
12:32:19
